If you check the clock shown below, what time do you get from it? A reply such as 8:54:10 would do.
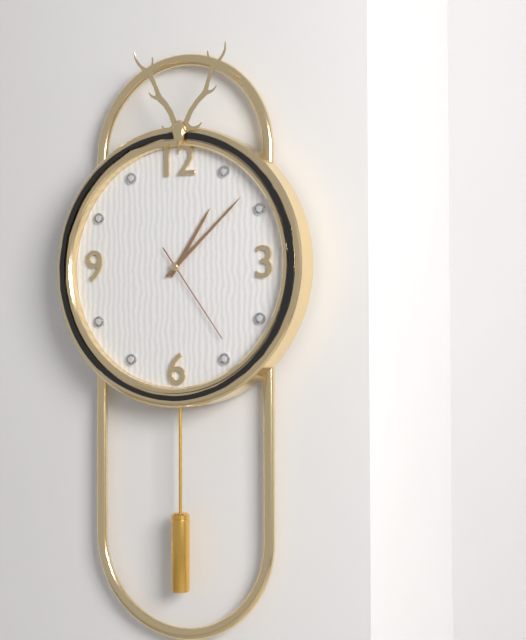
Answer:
1:08:24
